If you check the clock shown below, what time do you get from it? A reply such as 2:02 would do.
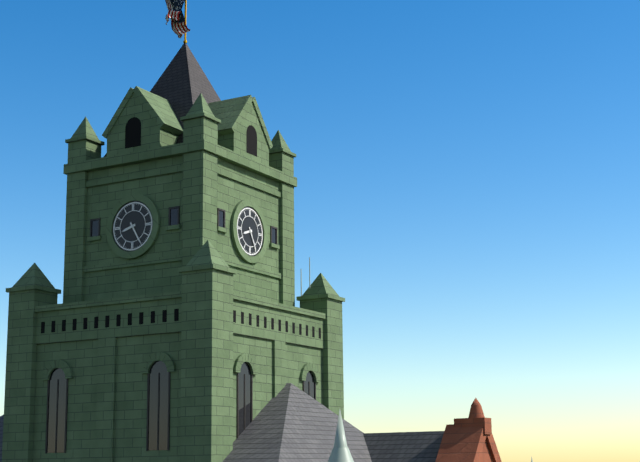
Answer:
8:25
